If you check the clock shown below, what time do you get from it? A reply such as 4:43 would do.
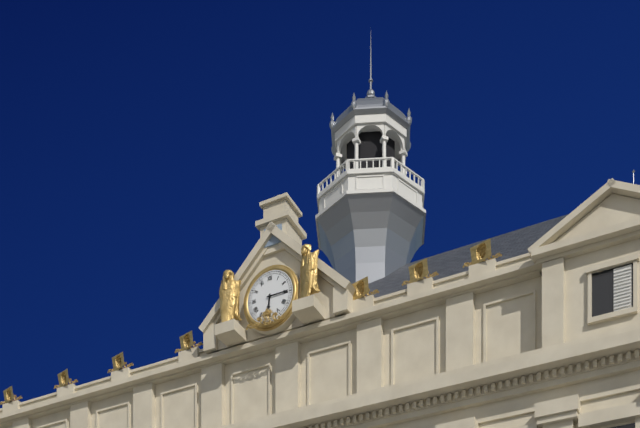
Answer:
6:15
